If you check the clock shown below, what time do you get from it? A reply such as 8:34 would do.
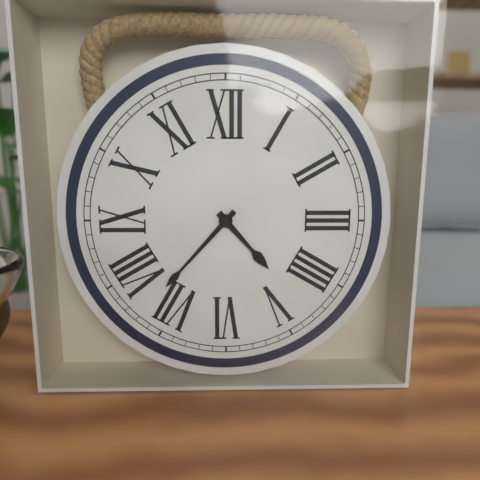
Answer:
4:37
